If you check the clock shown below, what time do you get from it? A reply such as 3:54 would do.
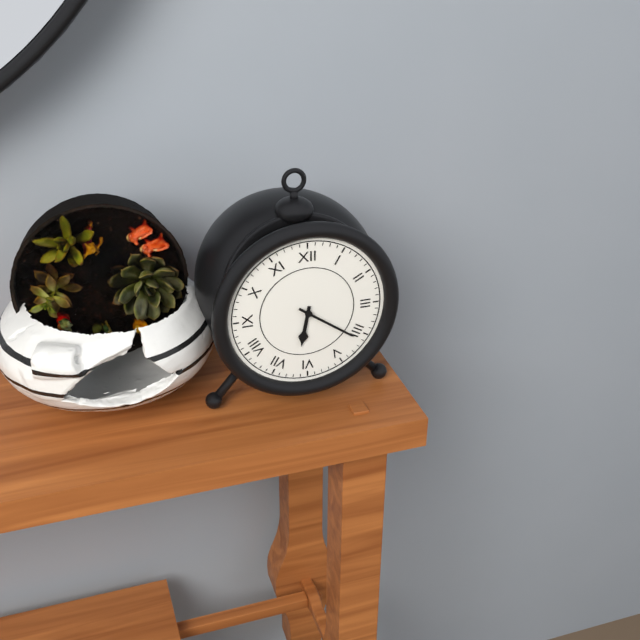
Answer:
6:21
